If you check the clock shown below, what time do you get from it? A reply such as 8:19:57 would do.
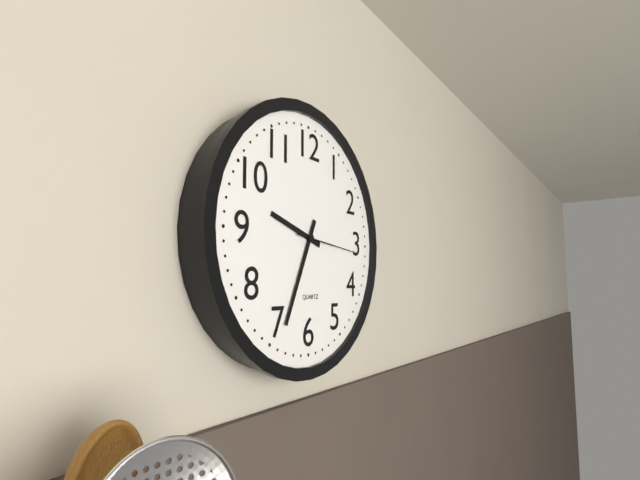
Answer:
9:34:16
